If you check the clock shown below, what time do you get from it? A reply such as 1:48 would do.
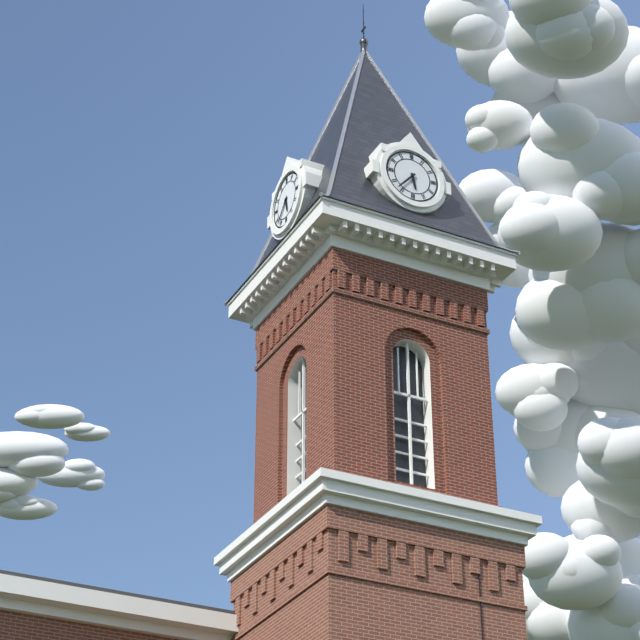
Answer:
5:37
